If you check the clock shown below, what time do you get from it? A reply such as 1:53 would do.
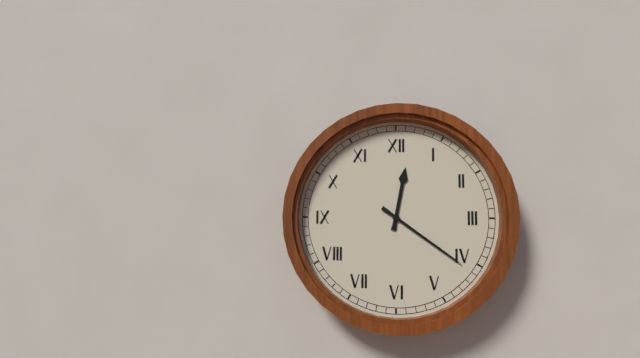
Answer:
12:21
